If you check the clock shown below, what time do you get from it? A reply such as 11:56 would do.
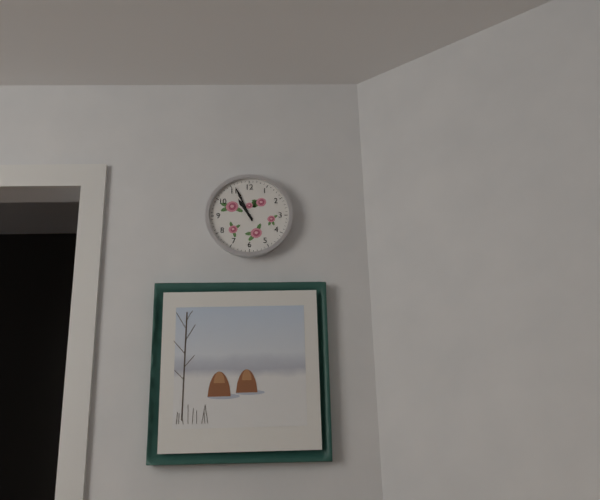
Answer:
10:56
